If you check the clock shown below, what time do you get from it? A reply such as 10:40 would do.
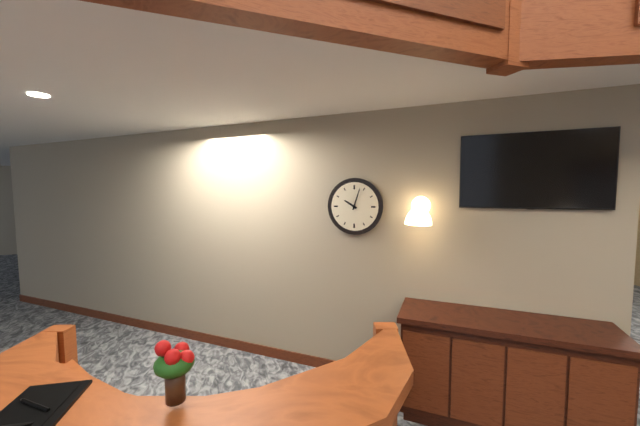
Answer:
10:03
